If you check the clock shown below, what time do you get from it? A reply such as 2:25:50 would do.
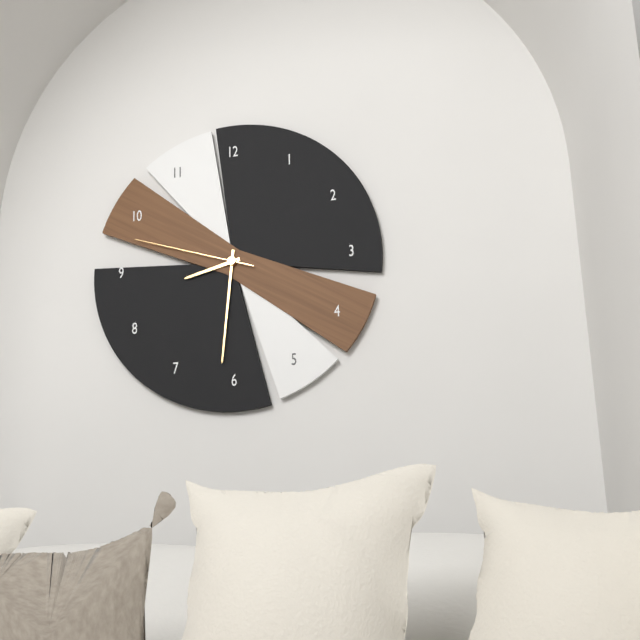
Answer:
8:31:48
